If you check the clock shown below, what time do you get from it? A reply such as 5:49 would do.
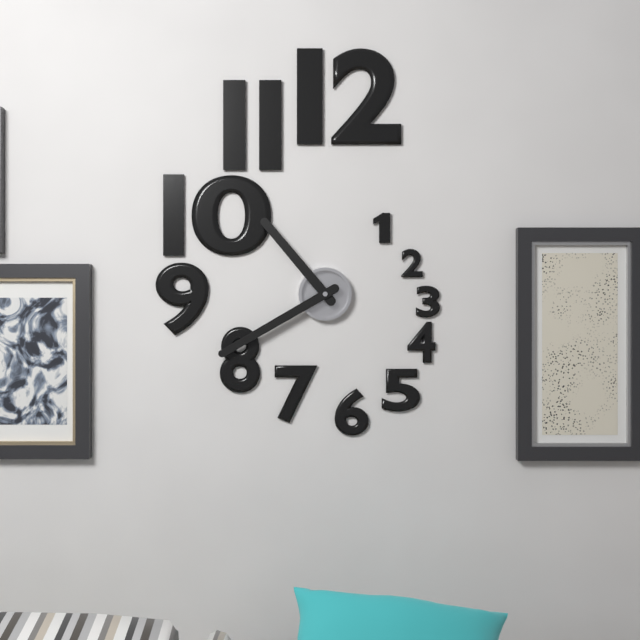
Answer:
10:40
